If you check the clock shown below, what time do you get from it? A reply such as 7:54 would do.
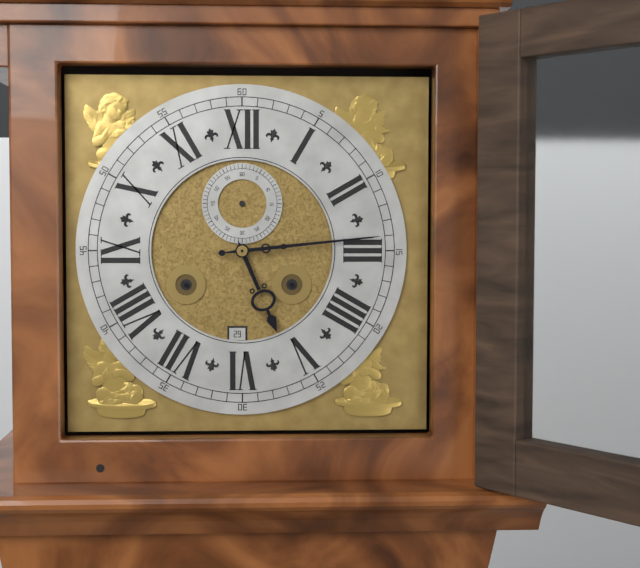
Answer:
5:14
